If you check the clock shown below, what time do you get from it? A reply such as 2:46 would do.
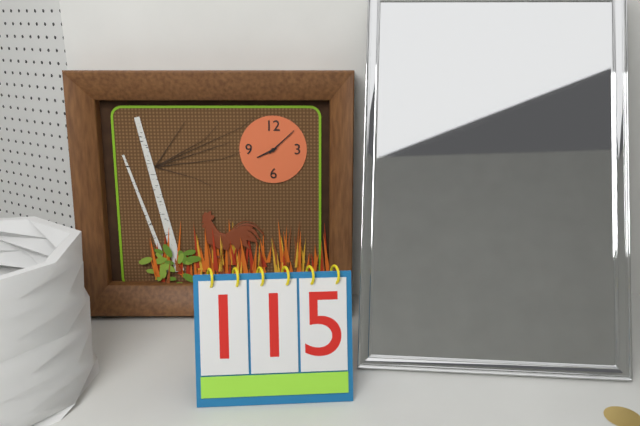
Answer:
8:08
